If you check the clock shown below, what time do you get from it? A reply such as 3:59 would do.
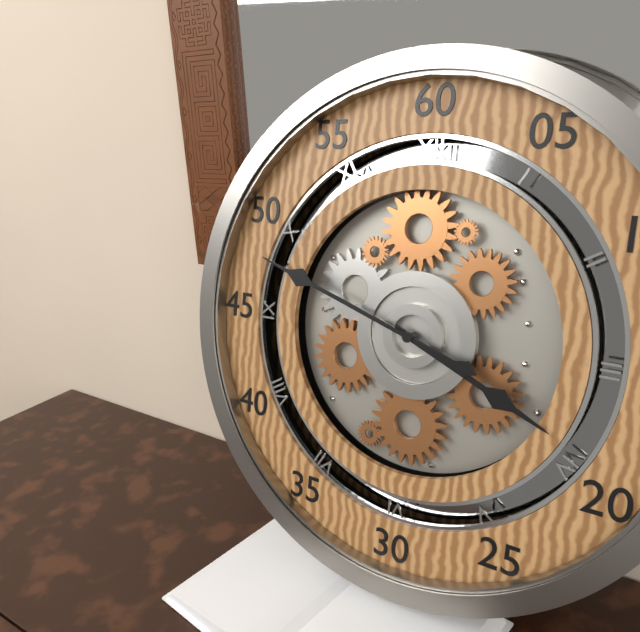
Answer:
3:48
